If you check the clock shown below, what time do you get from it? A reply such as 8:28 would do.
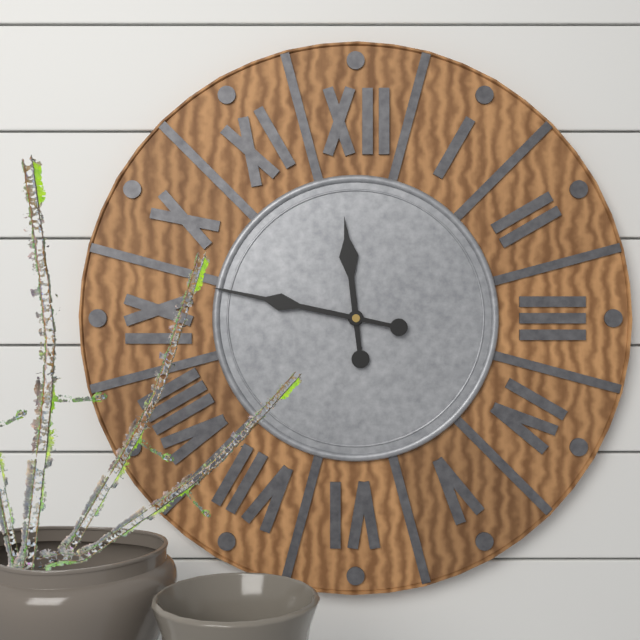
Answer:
11:47
